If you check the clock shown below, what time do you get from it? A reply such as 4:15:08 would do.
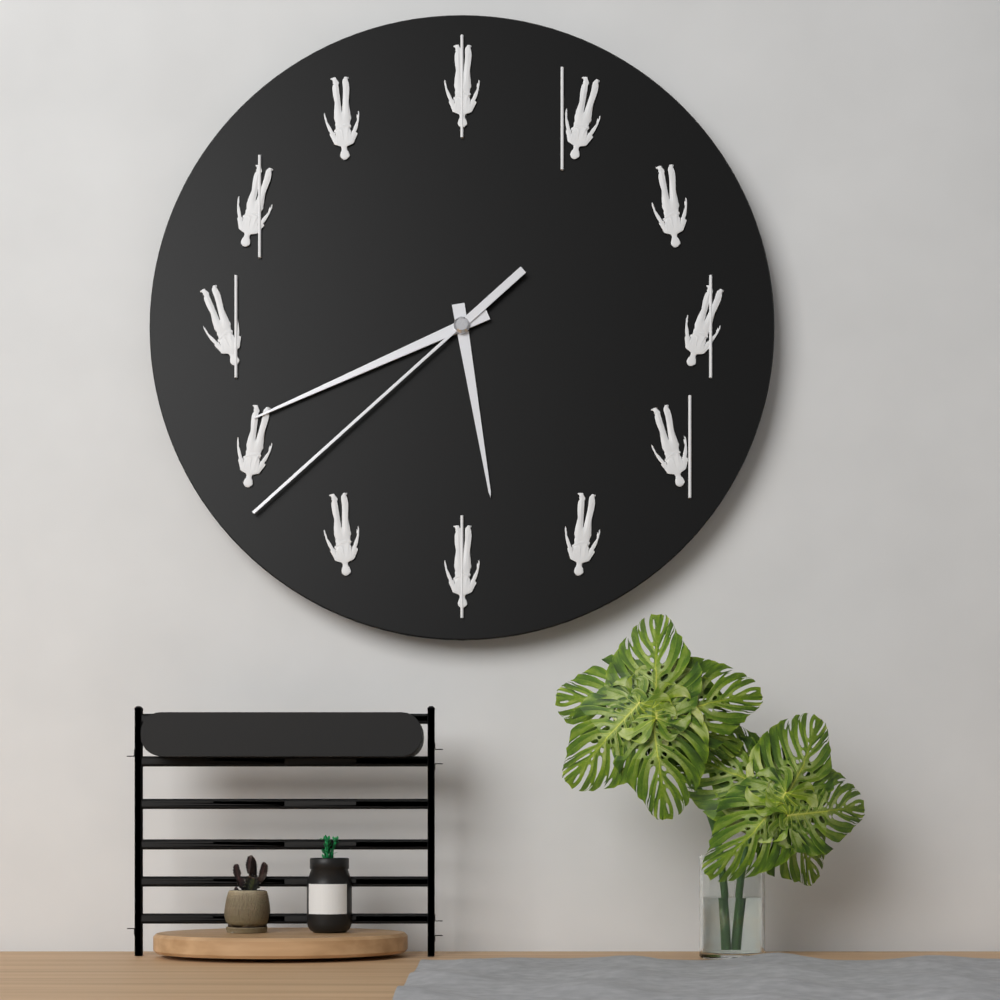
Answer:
5:41:38
